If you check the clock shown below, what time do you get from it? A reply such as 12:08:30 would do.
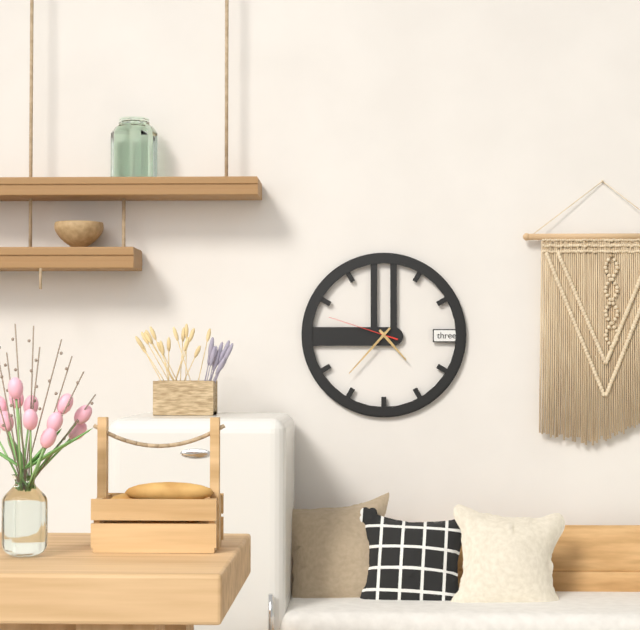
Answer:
4:37:48
